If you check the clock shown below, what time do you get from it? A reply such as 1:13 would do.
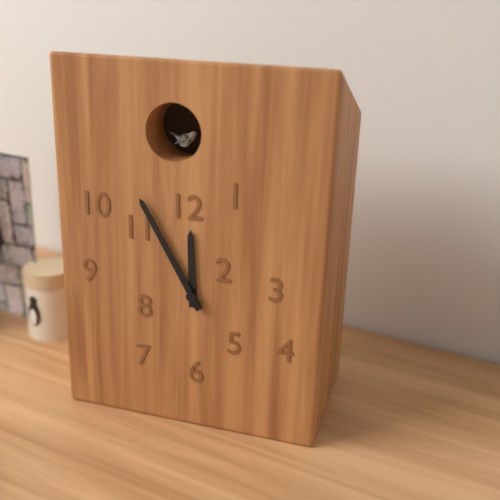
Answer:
11:55
